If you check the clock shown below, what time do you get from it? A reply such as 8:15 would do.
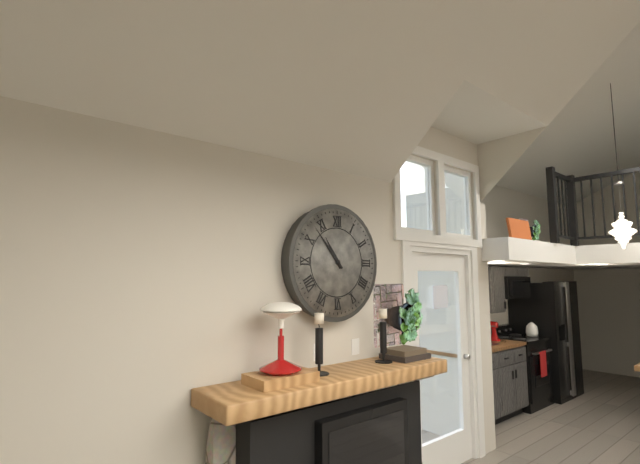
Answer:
10:53
